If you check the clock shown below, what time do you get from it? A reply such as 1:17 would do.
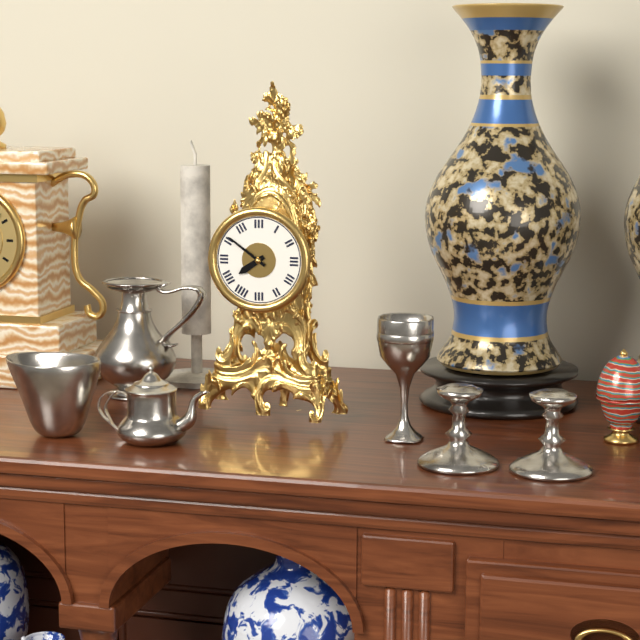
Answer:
7:51
